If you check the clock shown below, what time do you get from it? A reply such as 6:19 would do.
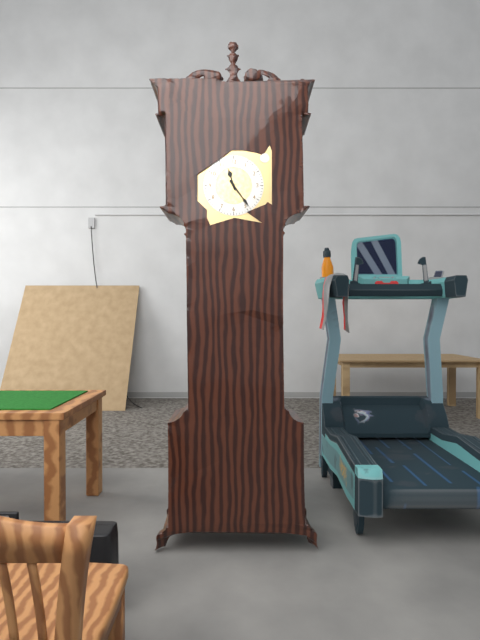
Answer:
11:24
